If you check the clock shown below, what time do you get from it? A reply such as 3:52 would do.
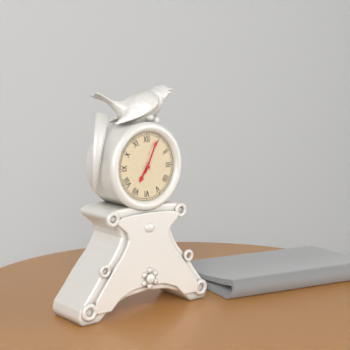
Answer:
7:04
